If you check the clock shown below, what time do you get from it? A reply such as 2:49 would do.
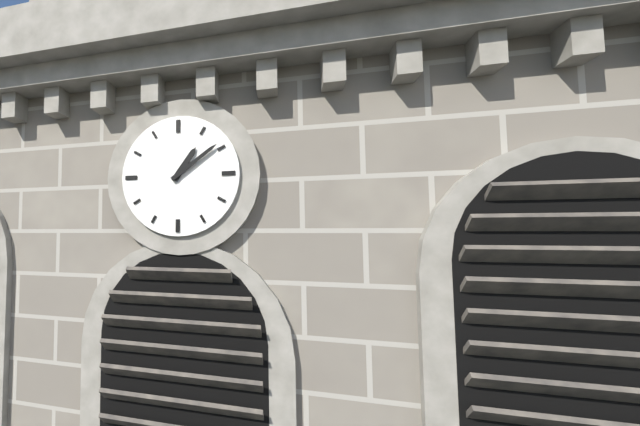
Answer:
1:09
